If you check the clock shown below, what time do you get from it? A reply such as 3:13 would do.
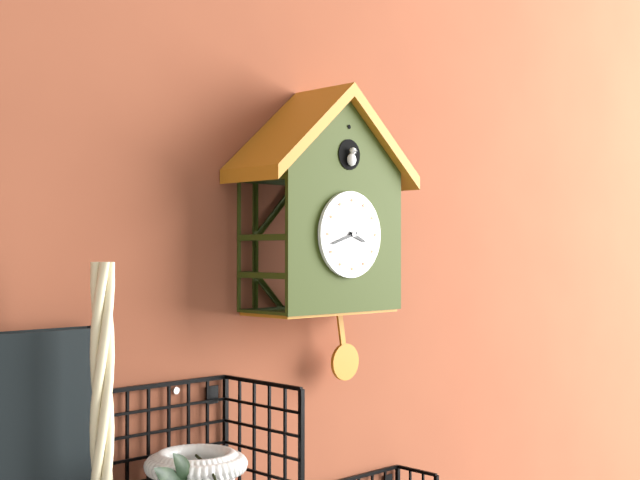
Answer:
3:42
